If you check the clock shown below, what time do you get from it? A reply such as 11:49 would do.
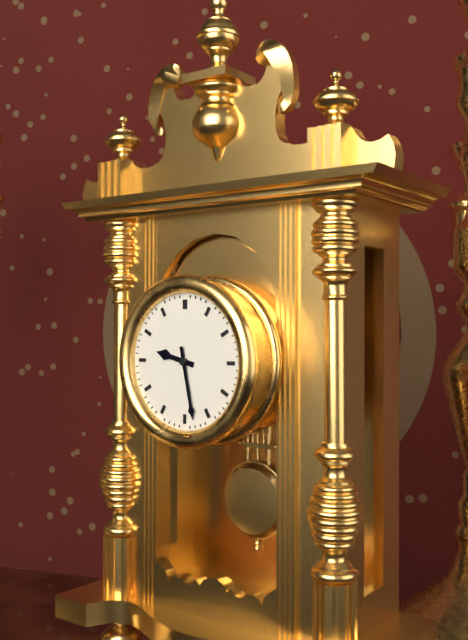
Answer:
9:28
